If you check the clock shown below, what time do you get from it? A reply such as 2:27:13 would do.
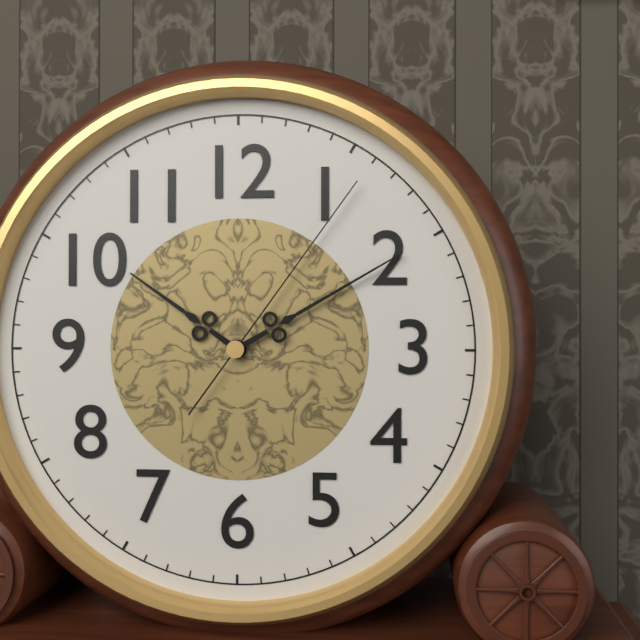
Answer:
10:10:06
